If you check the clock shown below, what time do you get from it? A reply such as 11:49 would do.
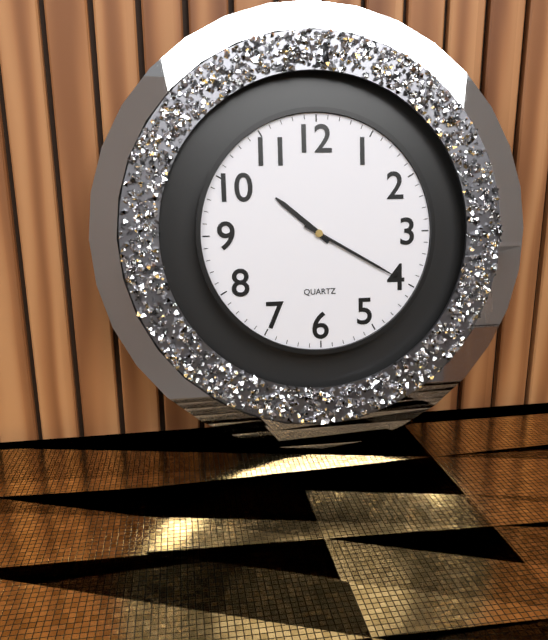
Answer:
10:20
